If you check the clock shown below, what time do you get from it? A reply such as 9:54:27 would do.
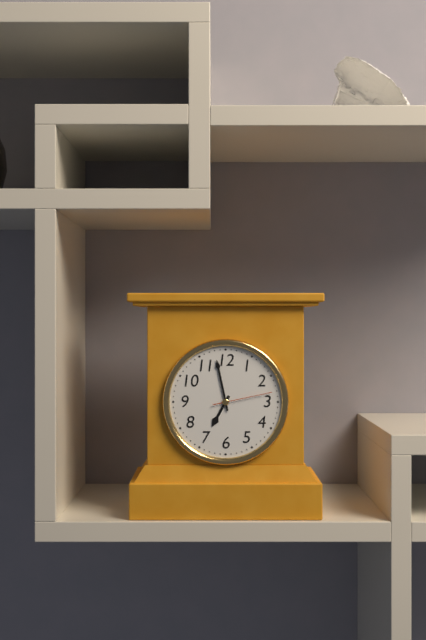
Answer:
6:58:13
